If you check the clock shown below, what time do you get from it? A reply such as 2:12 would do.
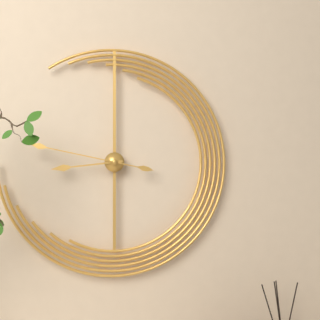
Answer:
8:47
